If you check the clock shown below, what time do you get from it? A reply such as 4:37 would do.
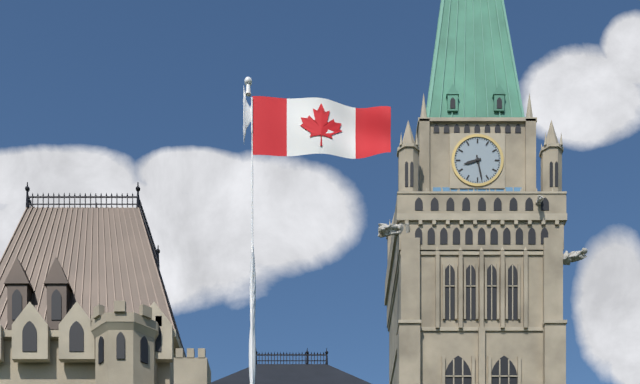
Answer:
8:28
